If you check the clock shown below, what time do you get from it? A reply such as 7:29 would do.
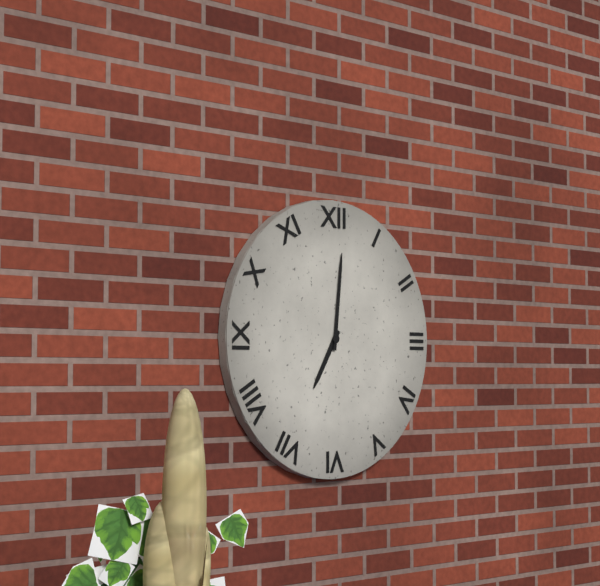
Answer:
7:01
